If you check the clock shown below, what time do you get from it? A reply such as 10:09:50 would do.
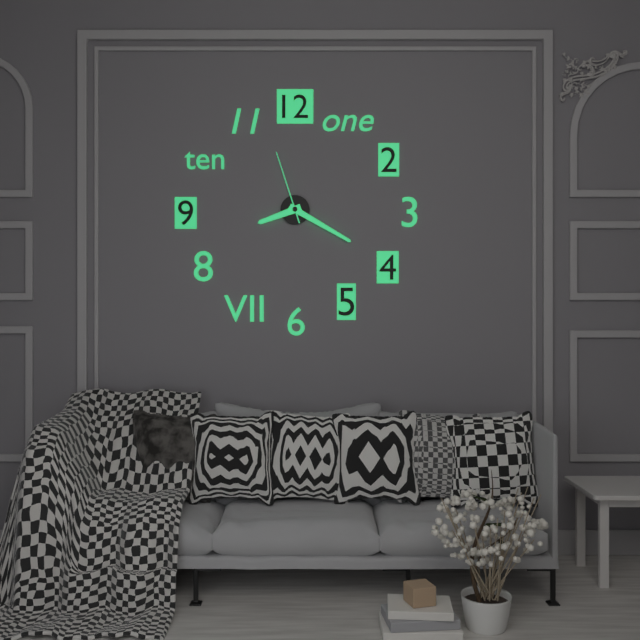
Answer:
8:20:57
